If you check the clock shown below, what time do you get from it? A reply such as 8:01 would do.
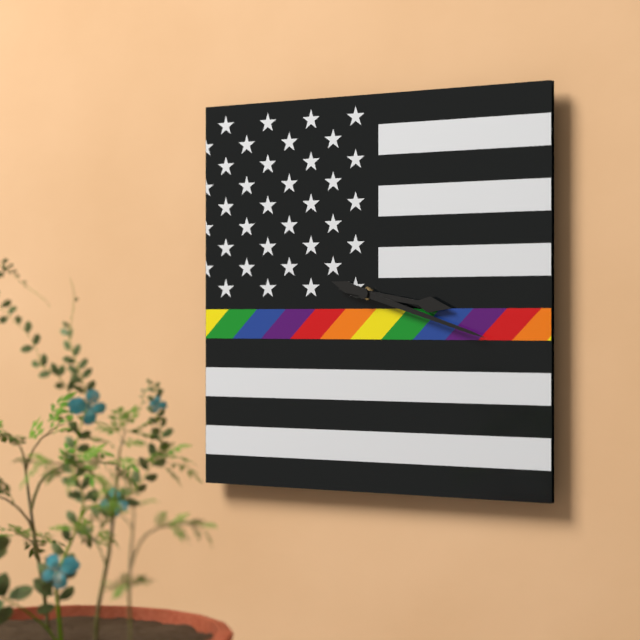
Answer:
3:18
